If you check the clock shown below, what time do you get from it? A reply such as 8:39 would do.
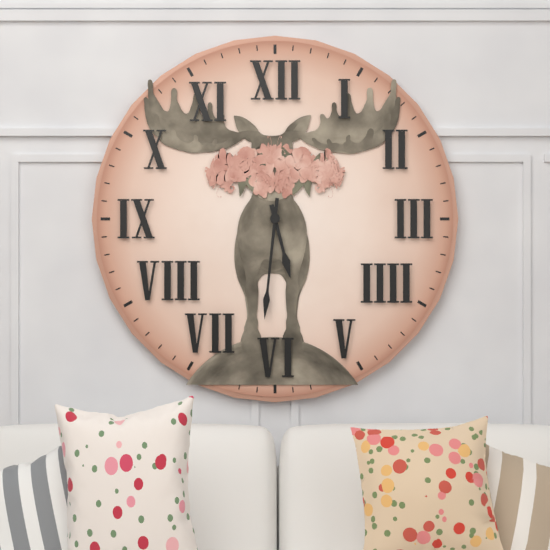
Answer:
5:31
